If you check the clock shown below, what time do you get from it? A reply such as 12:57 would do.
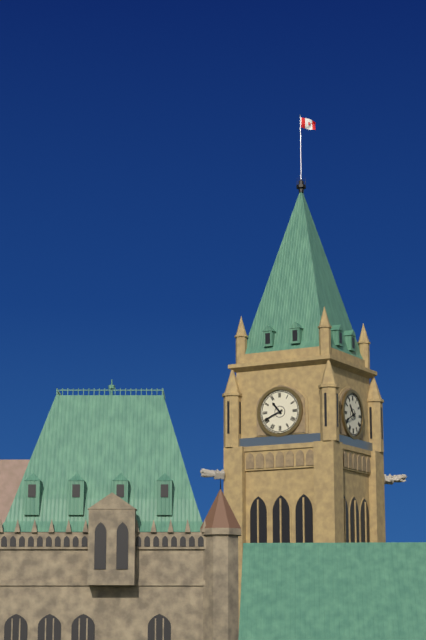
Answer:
10:41
